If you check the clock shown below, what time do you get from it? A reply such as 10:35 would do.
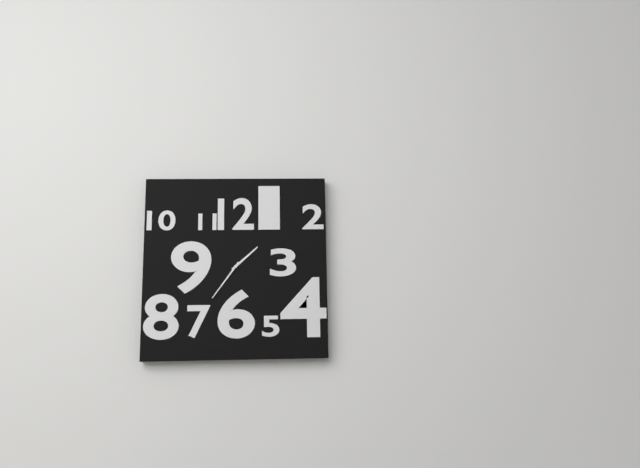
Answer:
1:36
